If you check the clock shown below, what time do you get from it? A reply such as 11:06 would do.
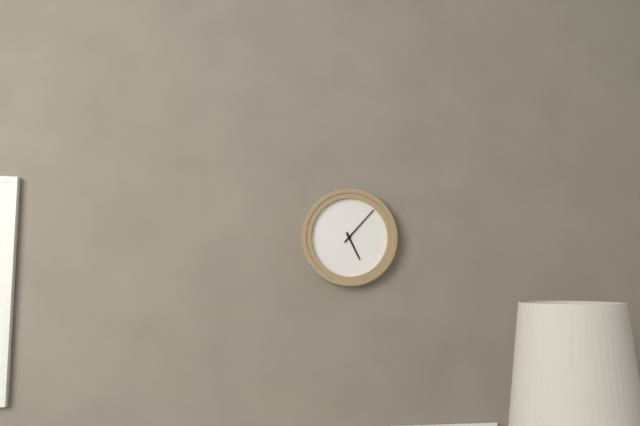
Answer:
5:07
